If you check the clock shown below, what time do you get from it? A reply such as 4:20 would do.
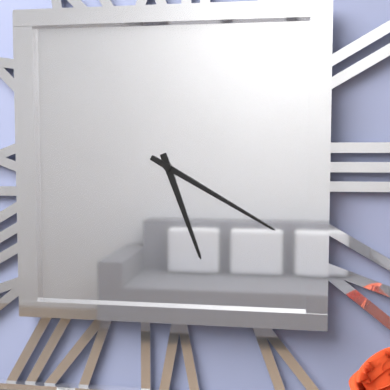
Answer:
5:20
